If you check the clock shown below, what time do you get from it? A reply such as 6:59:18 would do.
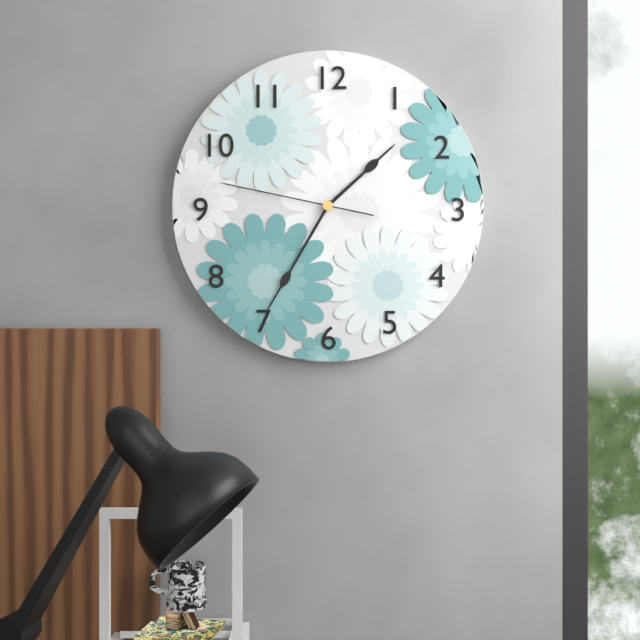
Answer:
1:35:47
